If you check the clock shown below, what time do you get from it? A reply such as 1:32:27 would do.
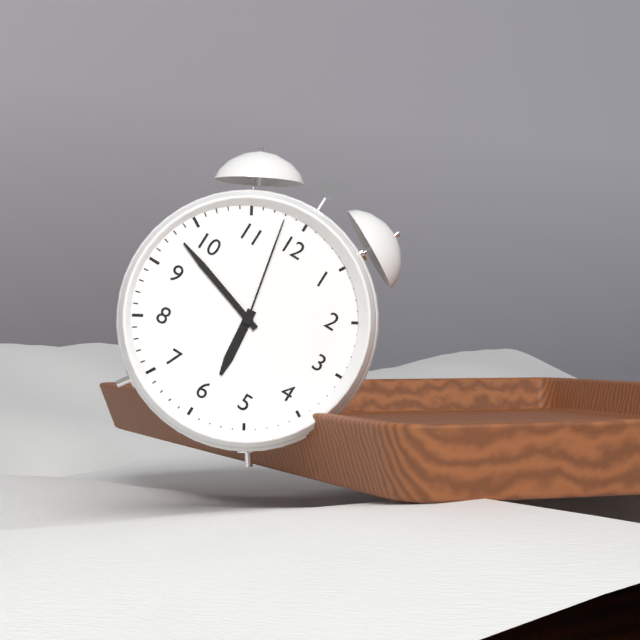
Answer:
5:48:58
